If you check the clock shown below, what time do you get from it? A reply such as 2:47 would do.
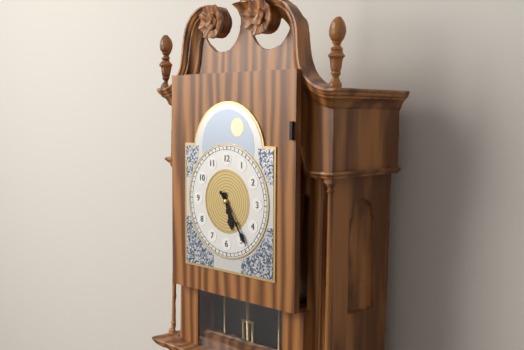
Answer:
5:24
